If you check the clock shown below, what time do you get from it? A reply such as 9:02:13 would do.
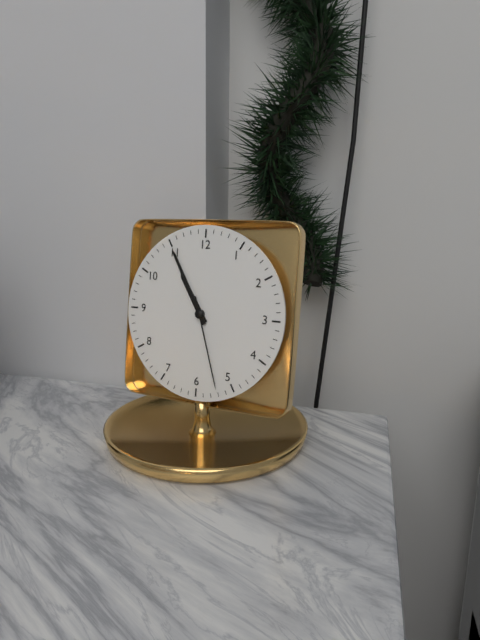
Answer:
10:55:27
